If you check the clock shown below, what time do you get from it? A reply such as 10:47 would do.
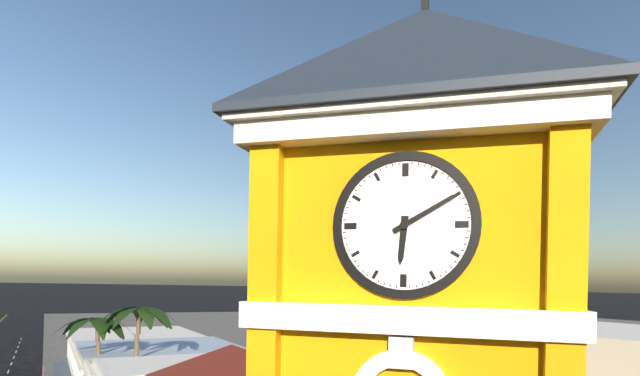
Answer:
6:10
